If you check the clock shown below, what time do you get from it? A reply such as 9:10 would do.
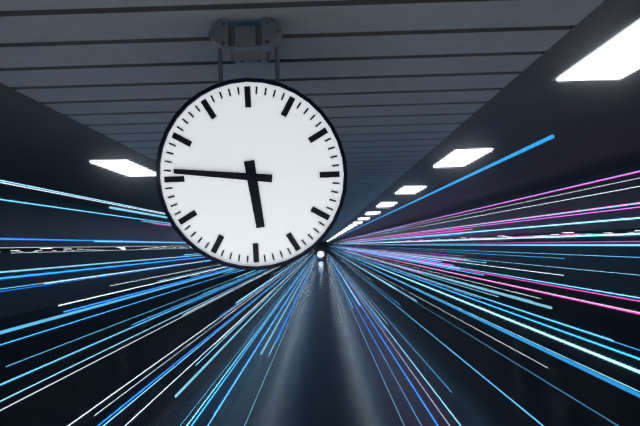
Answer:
5:46
